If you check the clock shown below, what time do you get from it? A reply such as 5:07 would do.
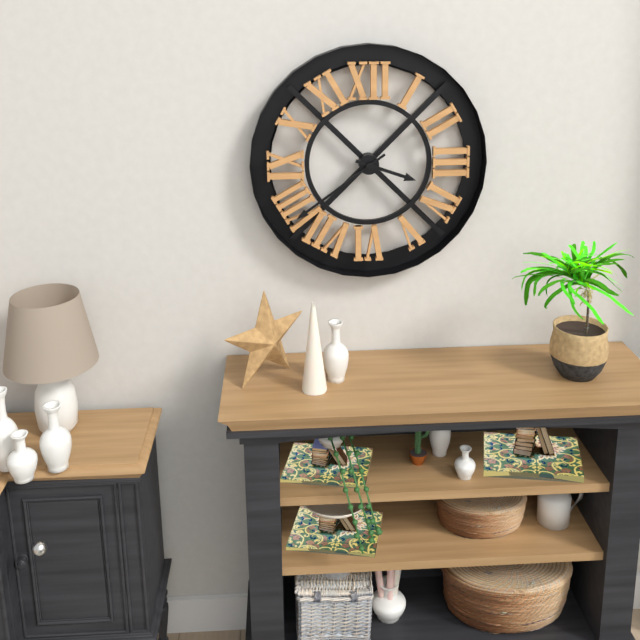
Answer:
3:39
